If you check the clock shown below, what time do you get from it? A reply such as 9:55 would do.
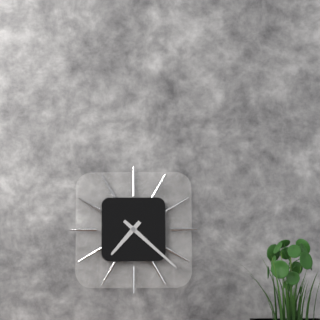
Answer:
7:22
